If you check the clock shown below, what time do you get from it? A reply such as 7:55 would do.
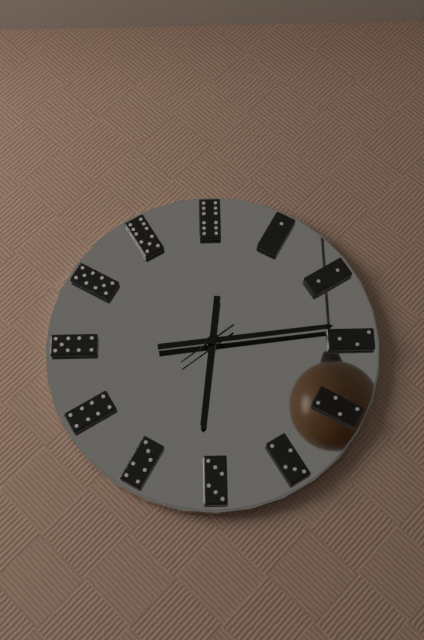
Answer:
6:14
